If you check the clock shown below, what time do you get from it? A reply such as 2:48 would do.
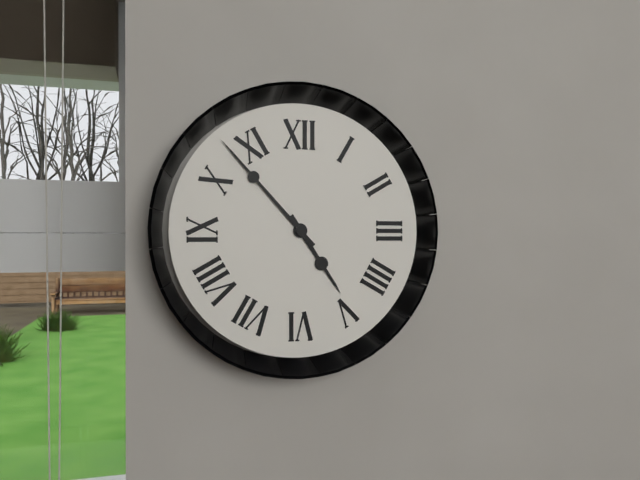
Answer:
4:53
